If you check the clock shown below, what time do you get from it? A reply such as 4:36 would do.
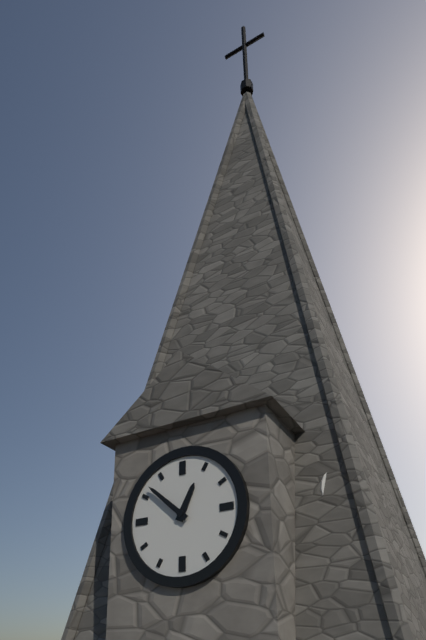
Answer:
12:52
